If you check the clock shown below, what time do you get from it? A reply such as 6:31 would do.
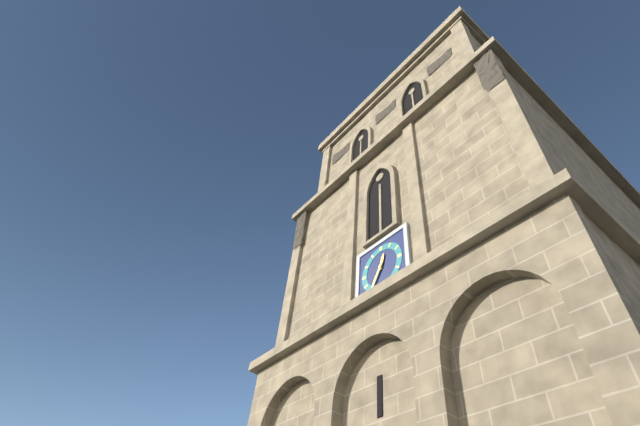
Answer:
12:35
